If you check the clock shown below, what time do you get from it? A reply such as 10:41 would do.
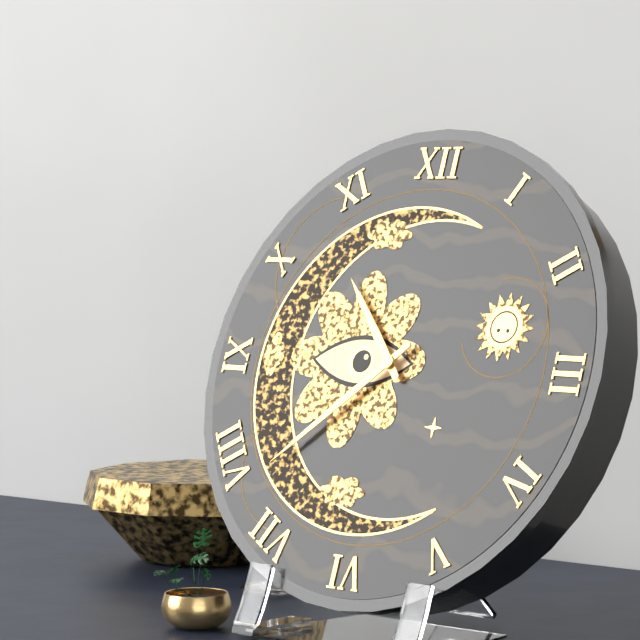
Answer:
10:38
